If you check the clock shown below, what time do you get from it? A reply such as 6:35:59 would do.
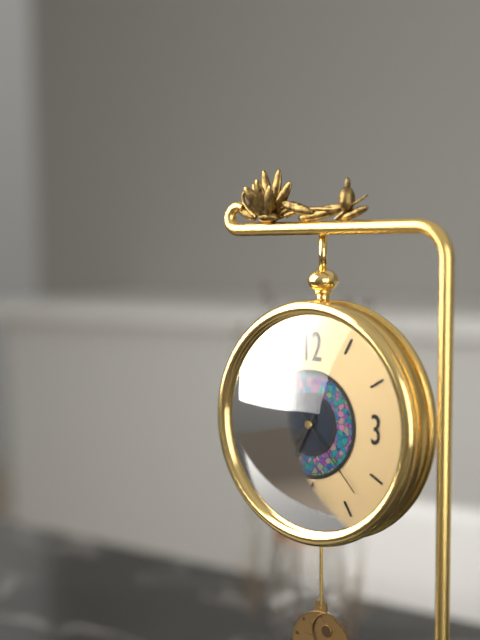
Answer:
7:35:23
